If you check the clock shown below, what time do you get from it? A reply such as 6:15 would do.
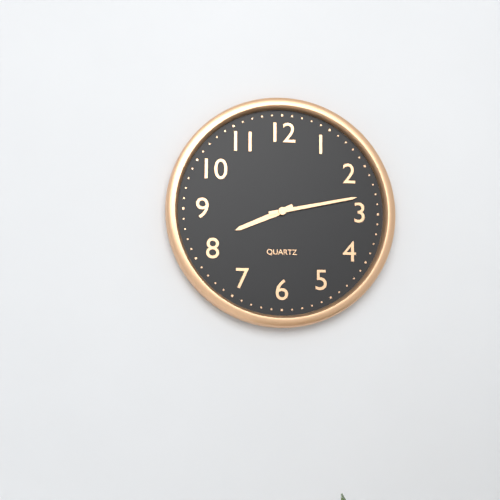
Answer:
8:13
